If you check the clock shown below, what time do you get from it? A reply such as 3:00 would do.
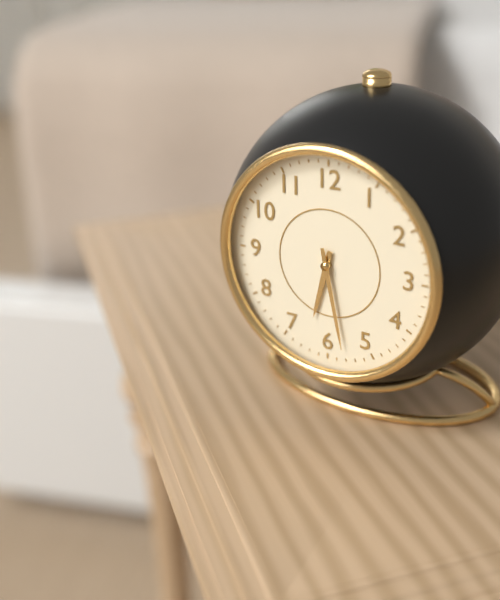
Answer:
6:28
